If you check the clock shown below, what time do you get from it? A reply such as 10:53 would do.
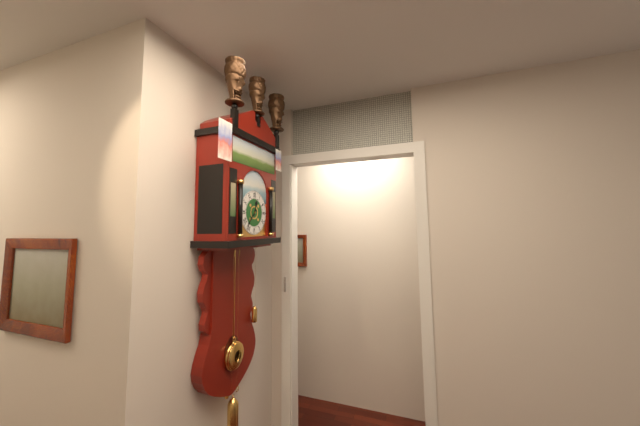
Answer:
12:37
